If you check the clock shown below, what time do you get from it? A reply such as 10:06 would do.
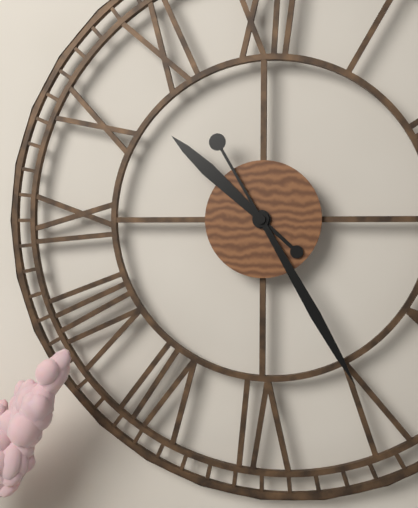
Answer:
10:25
